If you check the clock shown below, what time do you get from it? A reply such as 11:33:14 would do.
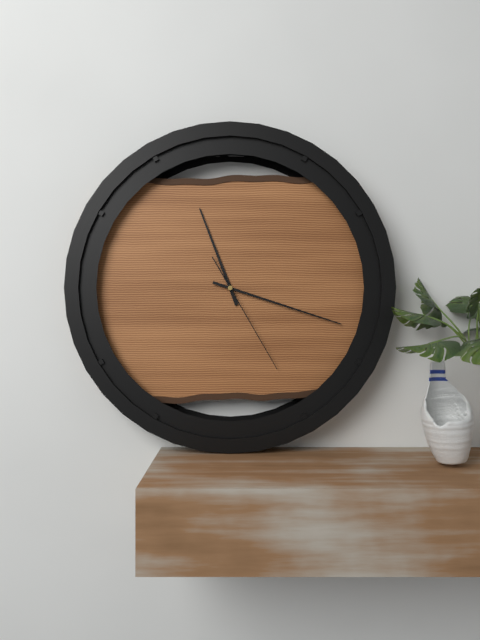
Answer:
11:18:25
